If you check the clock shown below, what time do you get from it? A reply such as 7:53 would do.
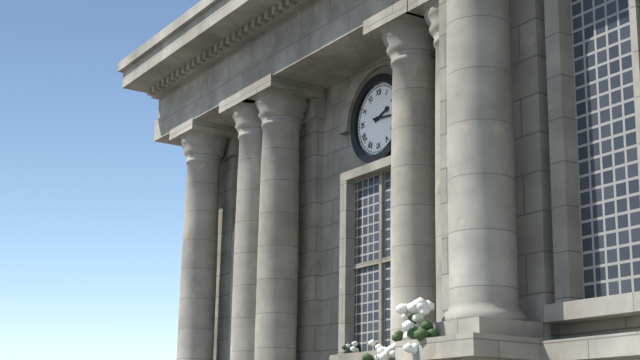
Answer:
2:16
